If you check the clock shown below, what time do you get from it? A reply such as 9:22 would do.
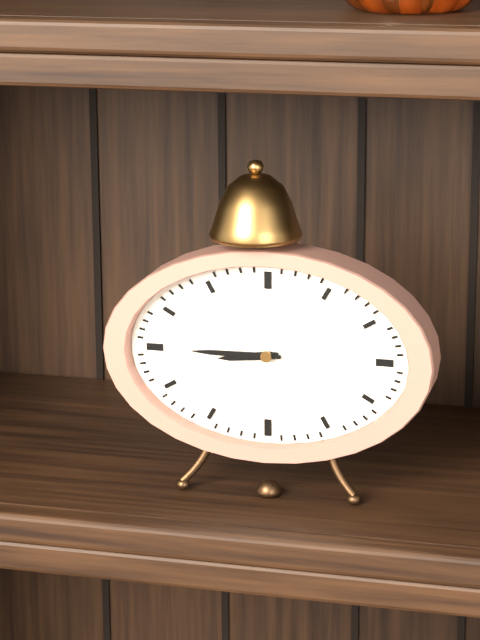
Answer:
8:45
